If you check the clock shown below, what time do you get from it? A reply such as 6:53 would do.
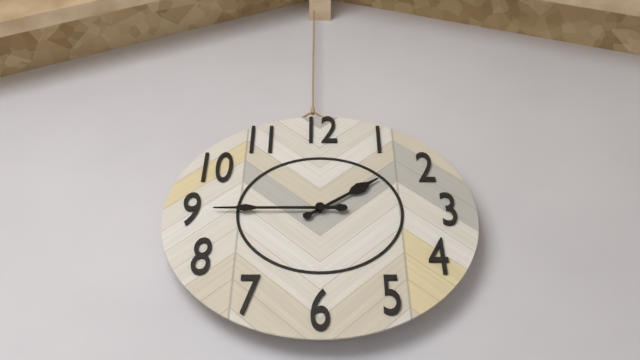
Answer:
1:45
